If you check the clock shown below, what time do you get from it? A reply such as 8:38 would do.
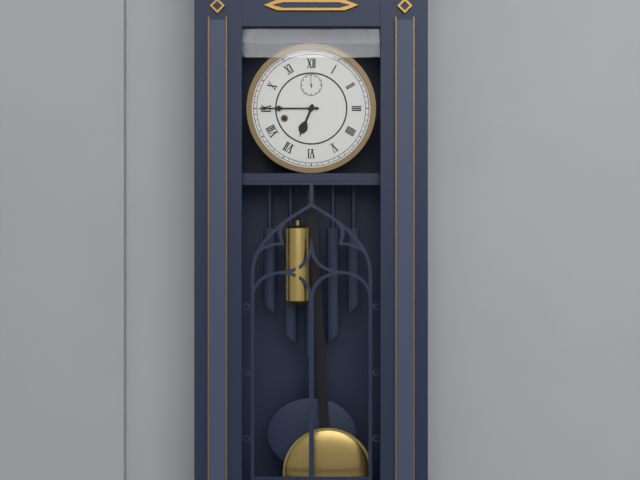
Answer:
6:45
